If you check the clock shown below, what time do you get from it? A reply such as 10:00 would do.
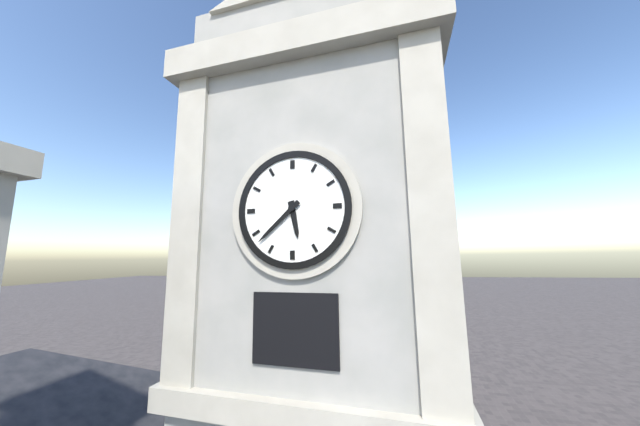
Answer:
5:38
